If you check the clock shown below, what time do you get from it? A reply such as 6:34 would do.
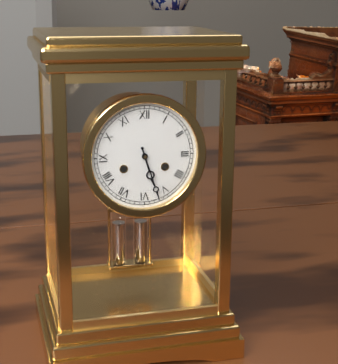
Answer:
5:27
